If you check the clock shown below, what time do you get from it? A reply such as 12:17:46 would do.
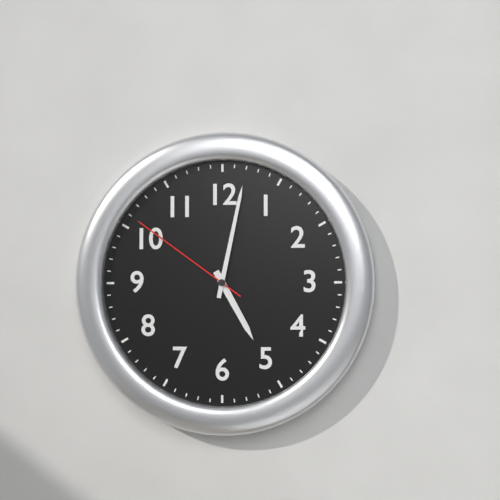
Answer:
5:02:51
